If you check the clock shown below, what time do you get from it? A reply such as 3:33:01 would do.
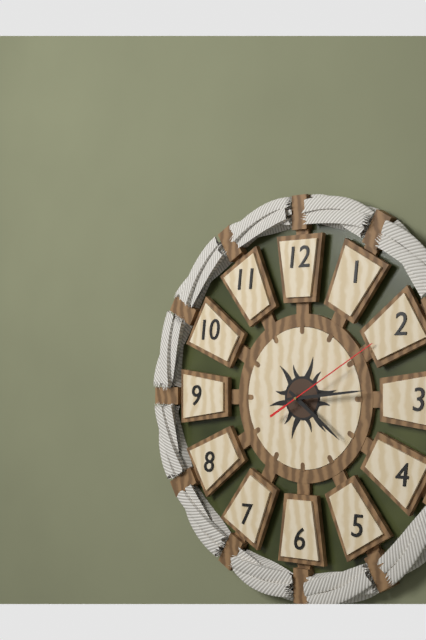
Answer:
4:14:10
